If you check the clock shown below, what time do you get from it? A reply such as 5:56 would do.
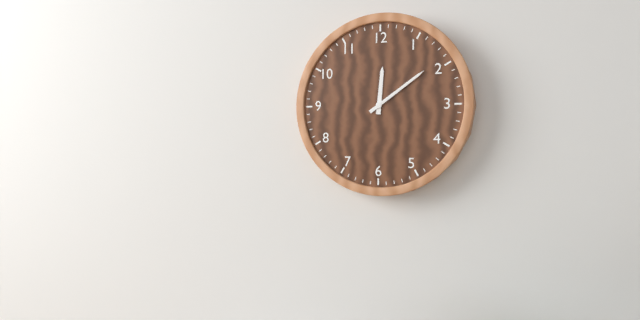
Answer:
12:09
